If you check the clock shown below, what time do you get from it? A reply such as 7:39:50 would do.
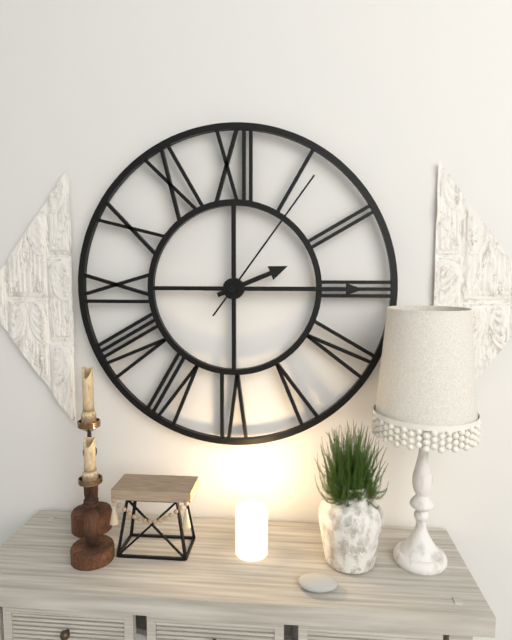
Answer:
2:15:06
